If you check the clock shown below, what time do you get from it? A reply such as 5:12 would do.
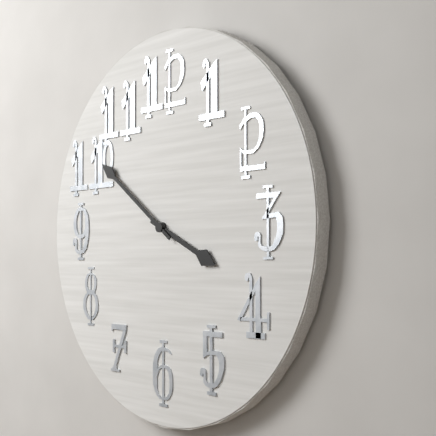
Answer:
3:51
